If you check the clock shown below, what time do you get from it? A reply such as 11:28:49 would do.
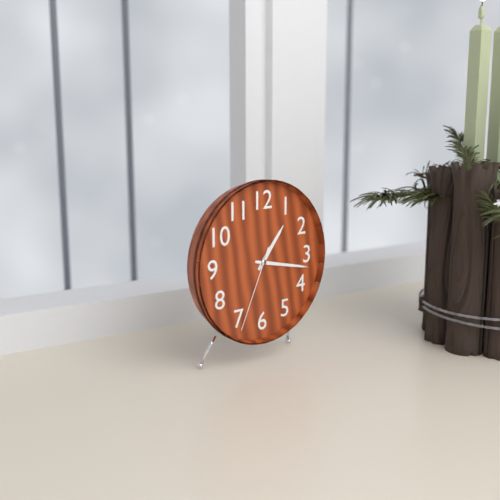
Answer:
1:17:34
